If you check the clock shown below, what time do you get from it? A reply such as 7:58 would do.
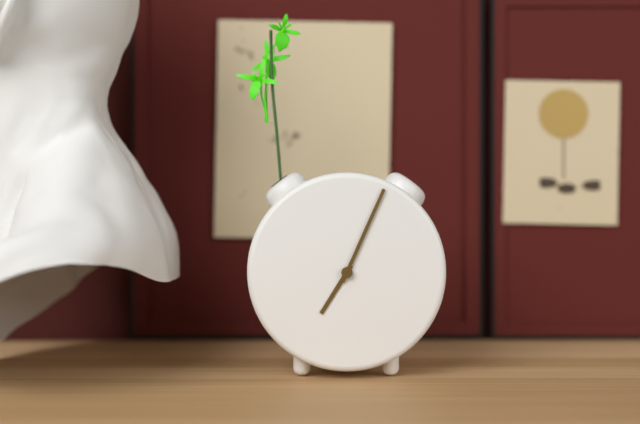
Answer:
7:04
